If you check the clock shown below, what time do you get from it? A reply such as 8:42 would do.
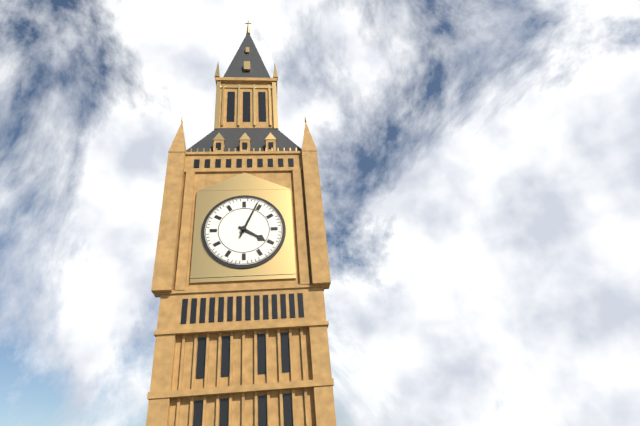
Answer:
4:04
